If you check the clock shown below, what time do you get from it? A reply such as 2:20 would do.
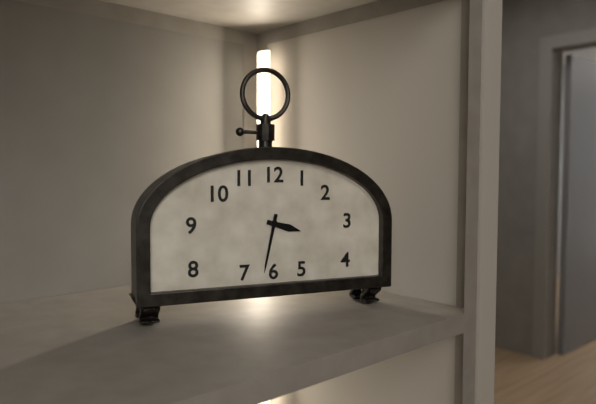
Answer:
3:32
